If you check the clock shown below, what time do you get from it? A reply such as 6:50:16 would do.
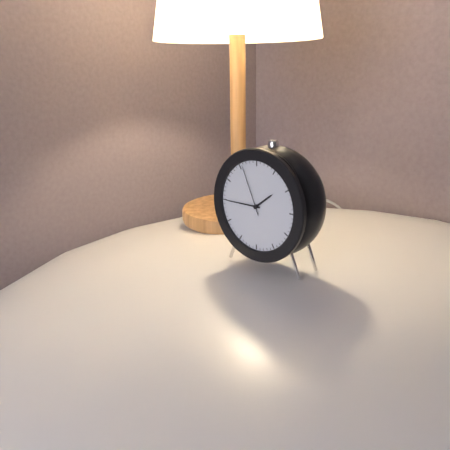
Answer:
1:45:56
